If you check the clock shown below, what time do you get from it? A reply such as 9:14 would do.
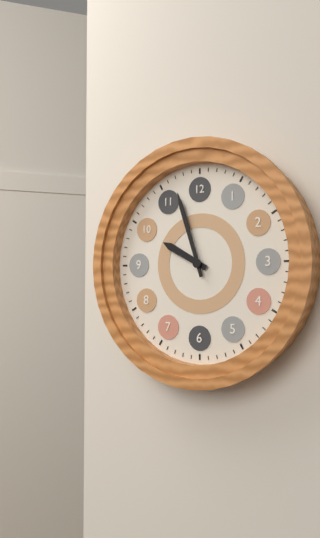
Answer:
9:57
